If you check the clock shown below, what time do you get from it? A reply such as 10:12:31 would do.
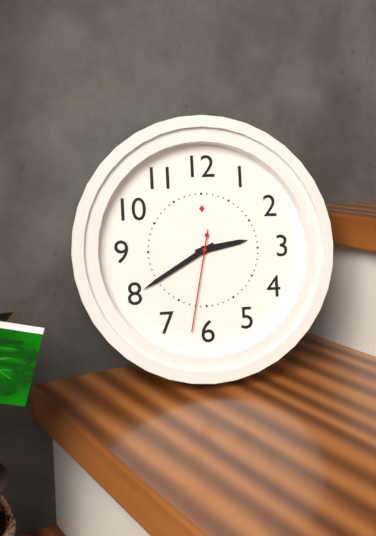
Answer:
2:40:32
